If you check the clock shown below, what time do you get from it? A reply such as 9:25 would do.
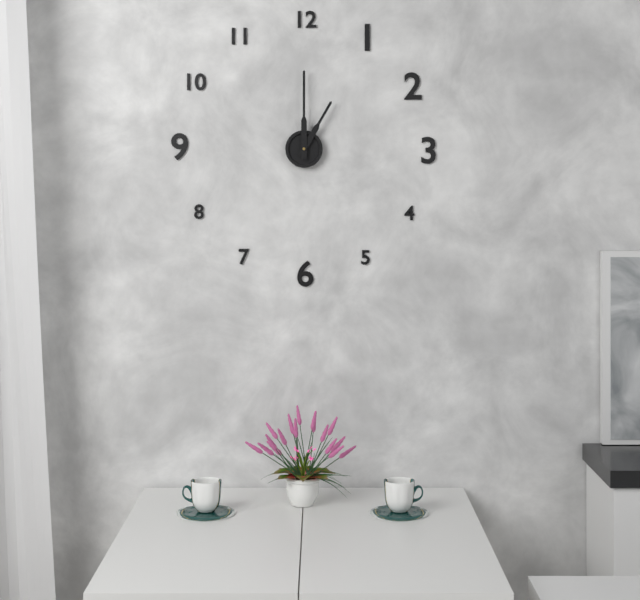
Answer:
1:00
